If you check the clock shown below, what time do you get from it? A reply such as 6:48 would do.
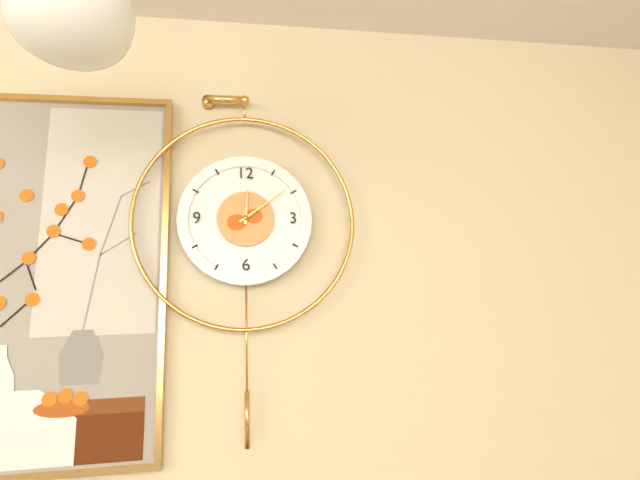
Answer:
12:09
